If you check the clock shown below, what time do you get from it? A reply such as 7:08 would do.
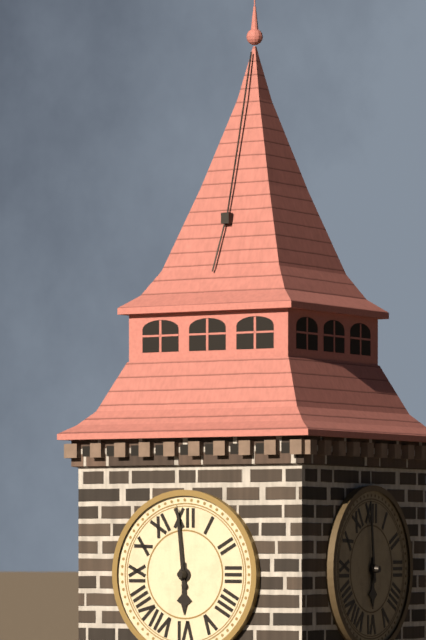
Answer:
5:59
